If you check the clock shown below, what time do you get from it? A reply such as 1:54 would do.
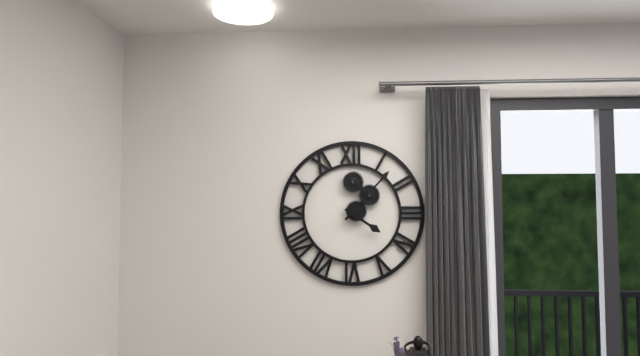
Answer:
4:07
